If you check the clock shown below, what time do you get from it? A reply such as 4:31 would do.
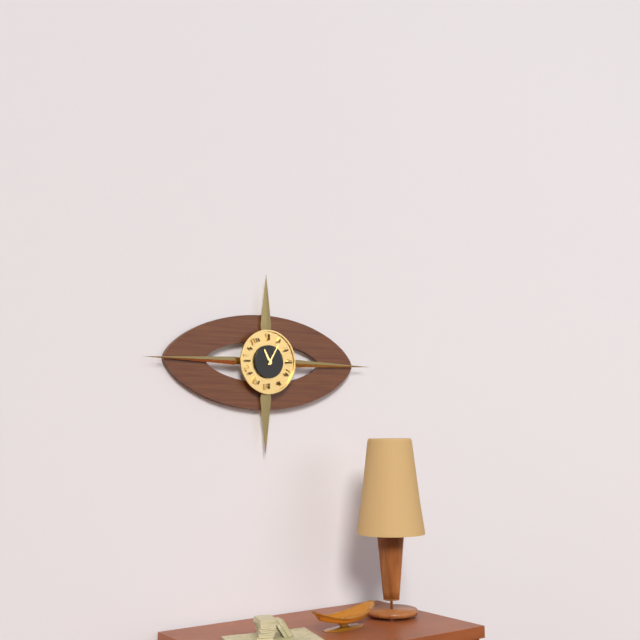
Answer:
11:05
